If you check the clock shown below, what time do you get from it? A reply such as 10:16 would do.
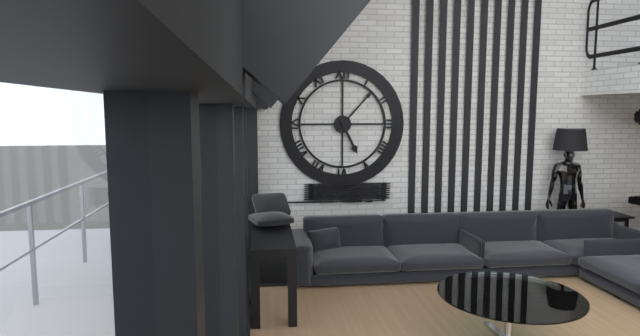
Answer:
5:07
